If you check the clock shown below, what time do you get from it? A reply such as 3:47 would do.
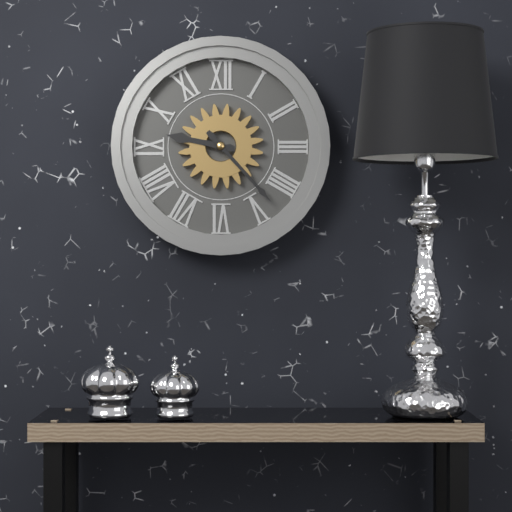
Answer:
9:23
